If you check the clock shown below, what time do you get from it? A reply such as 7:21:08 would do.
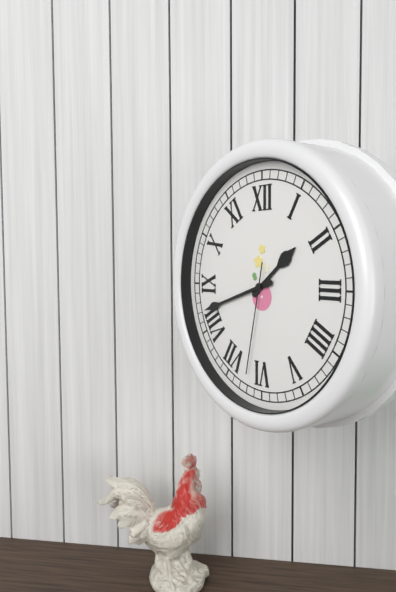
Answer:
1:42:32
